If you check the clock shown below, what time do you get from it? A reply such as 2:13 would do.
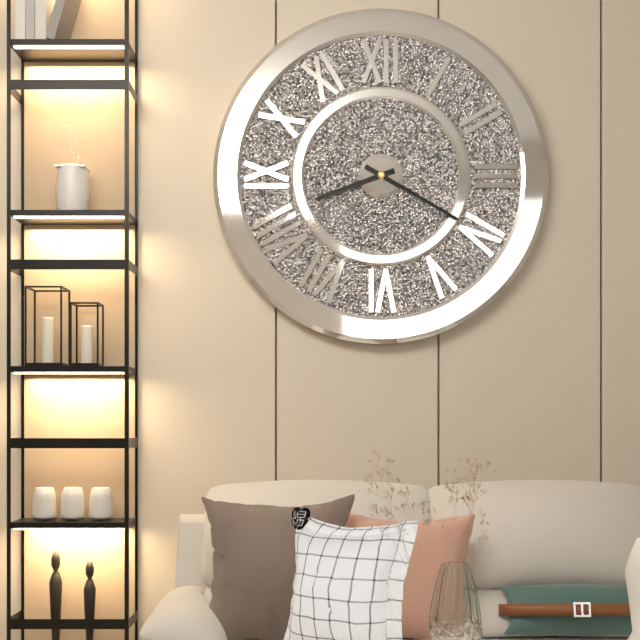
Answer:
8:20
